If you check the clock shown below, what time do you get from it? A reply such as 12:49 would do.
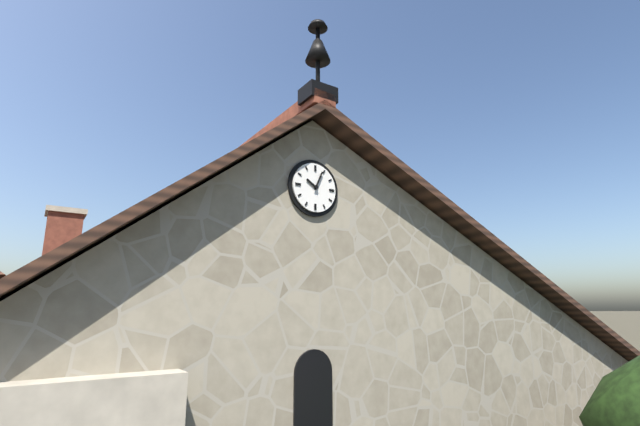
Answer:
10:04
